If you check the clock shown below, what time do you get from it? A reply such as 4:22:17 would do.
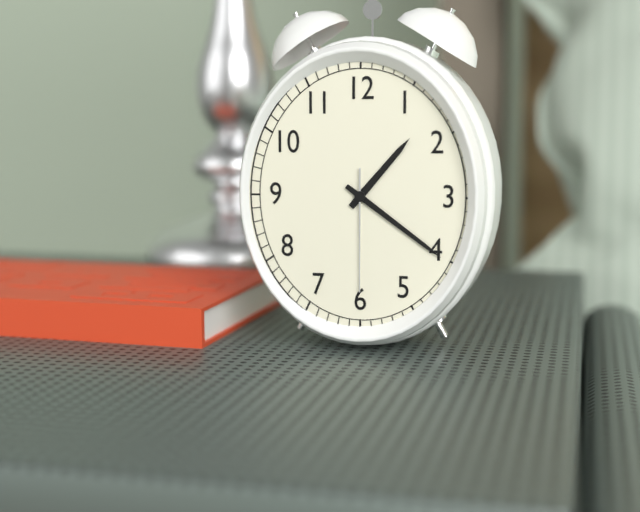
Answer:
1:21:30
